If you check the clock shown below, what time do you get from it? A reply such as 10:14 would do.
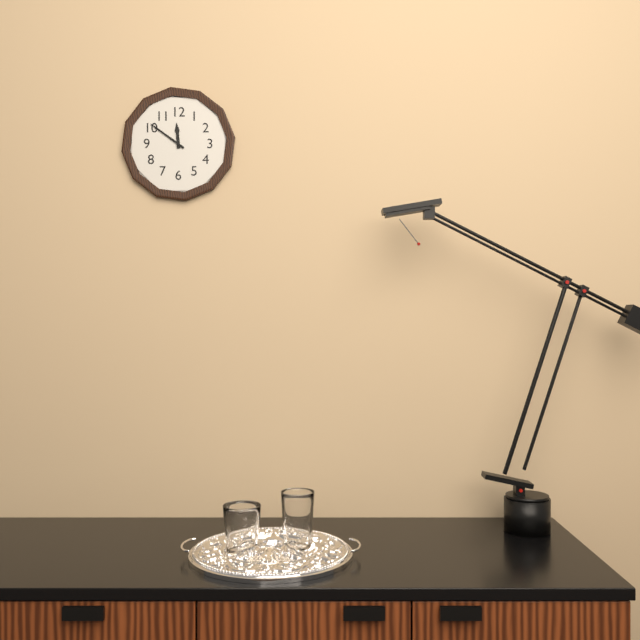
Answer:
11:51
